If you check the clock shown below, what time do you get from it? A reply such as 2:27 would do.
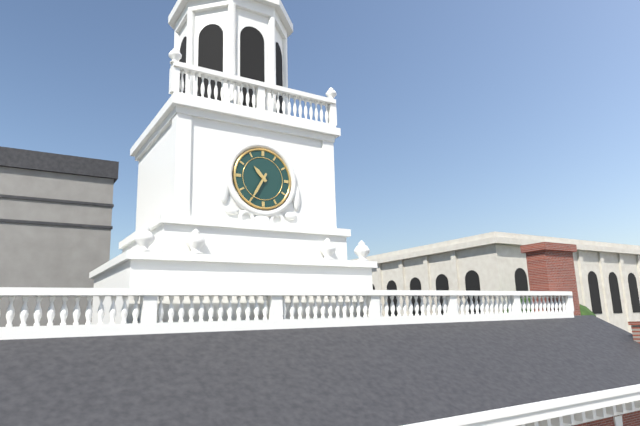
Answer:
10:35
